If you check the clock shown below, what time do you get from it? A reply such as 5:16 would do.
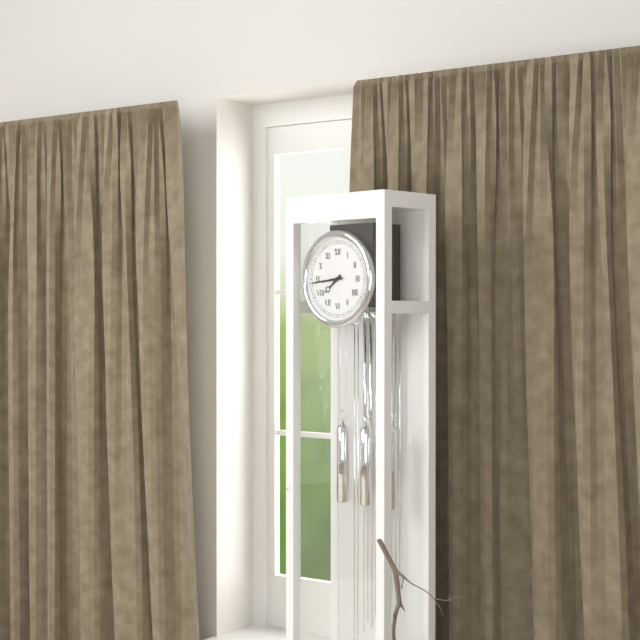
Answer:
7:44
